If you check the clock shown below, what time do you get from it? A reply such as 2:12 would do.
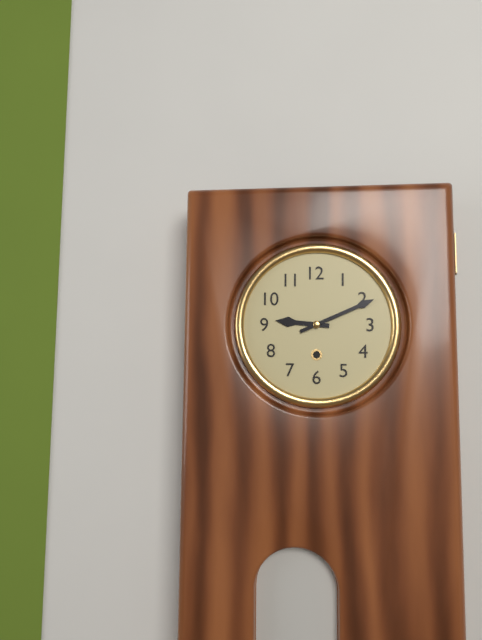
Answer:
9:11
